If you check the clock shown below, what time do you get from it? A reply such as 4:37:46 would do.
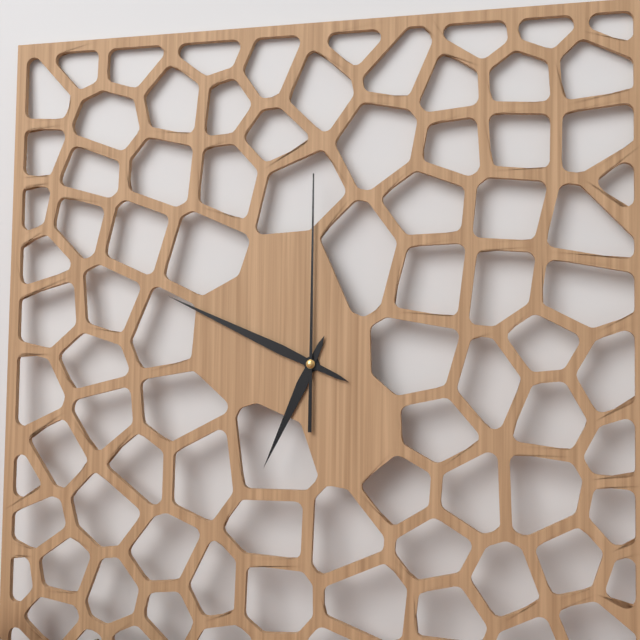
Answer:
6:49:00
